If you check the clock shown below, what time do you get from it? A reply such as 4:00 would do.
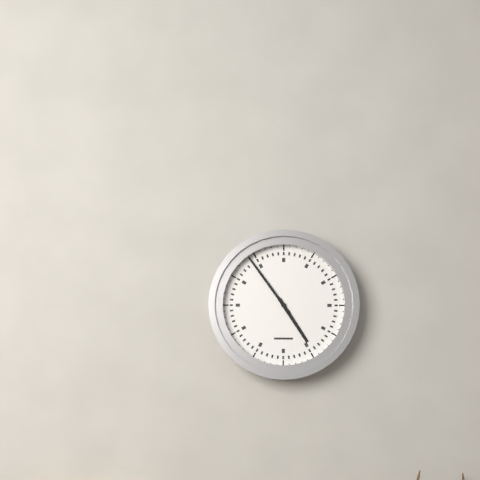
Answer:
4:54
